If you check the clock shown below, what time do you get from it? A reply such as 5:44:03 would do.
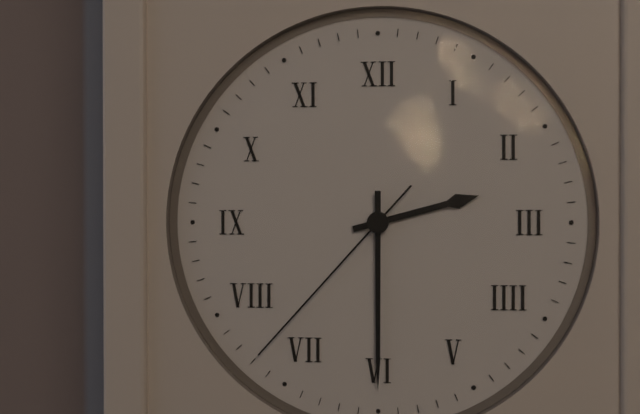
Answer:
2:30:37
